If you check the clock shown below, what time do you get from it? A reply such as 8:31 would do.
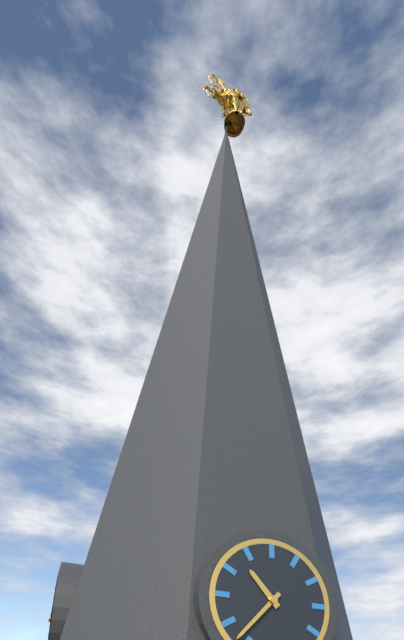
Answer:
10:37
